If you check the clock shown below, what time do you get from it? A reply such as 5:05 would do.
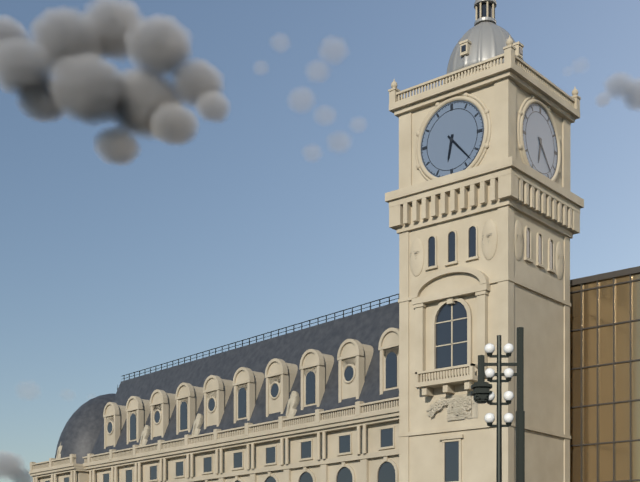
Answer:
6:23
